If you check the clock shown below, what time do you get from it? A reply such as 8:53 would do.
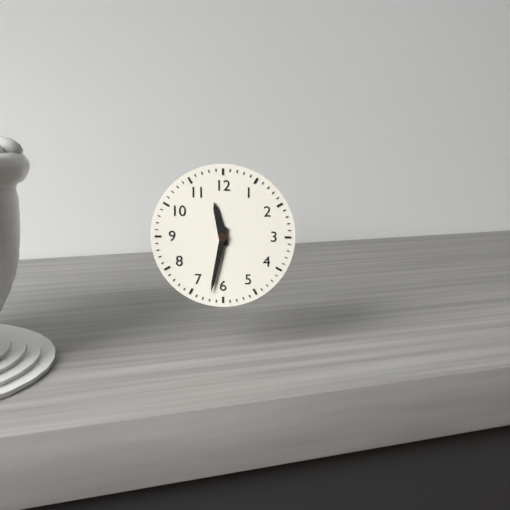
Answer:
11:32
